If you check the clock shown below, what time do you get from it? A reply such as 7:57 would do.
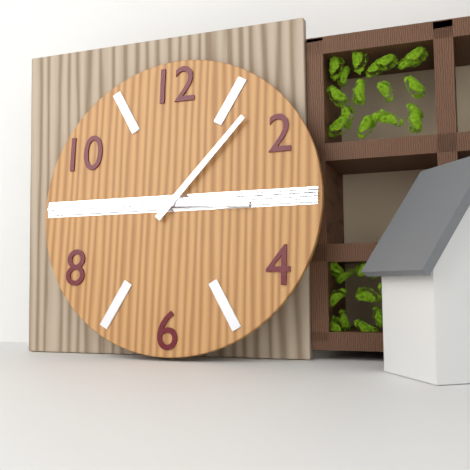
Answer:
3:07
